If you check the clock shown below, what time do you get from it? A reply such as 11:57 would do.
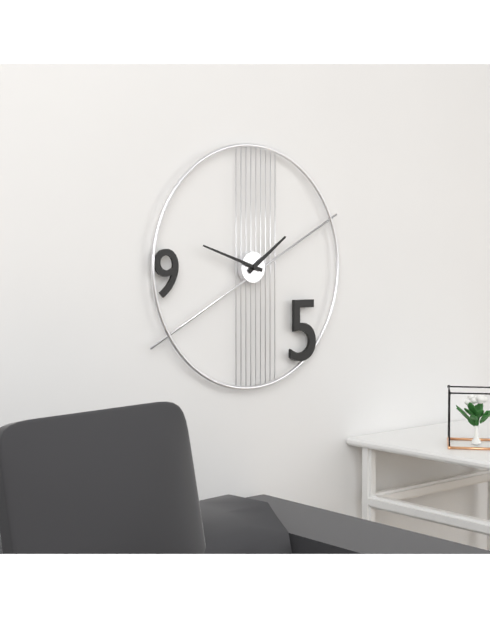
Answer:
1:48
